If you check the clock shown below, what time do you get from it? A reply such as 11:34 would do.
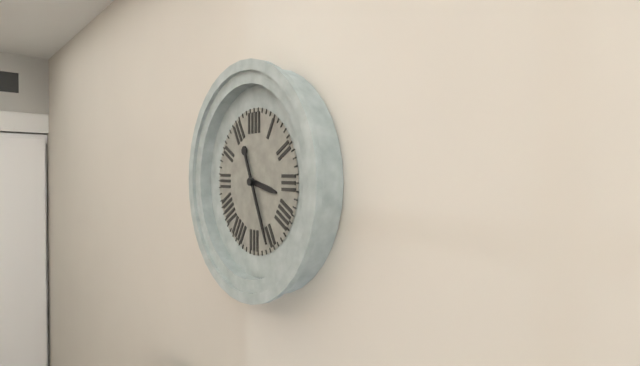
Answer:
3:26
